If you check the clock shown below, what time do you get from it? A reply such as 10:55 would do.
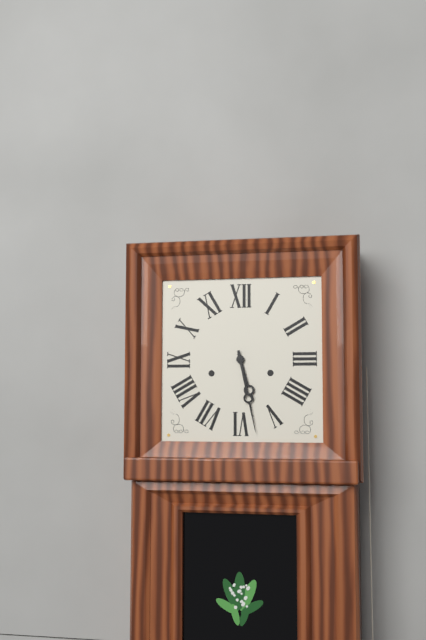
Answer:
5:28
